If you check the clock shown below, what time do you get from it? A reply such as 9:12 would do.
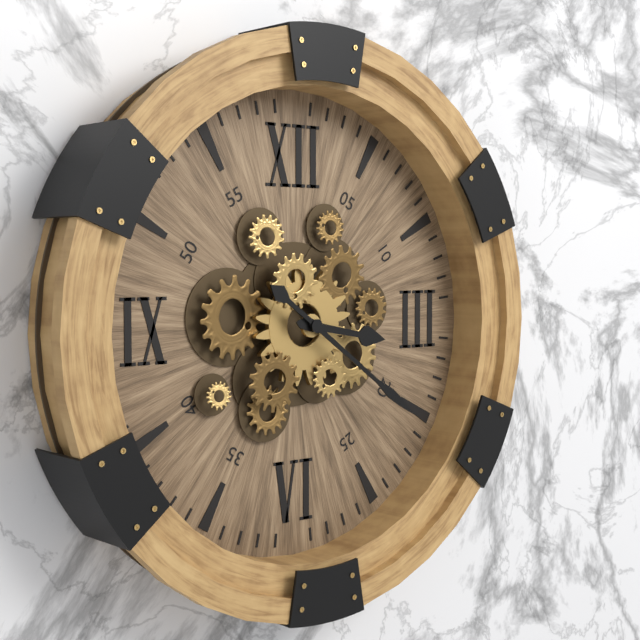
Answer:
3:21
